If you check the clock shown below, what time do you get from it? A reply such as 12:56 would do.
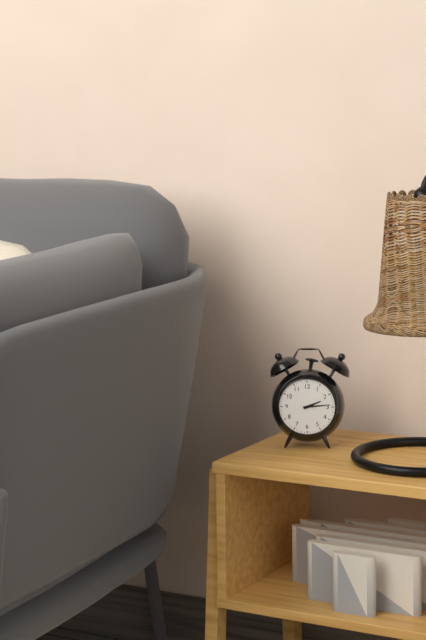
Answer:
2:14
